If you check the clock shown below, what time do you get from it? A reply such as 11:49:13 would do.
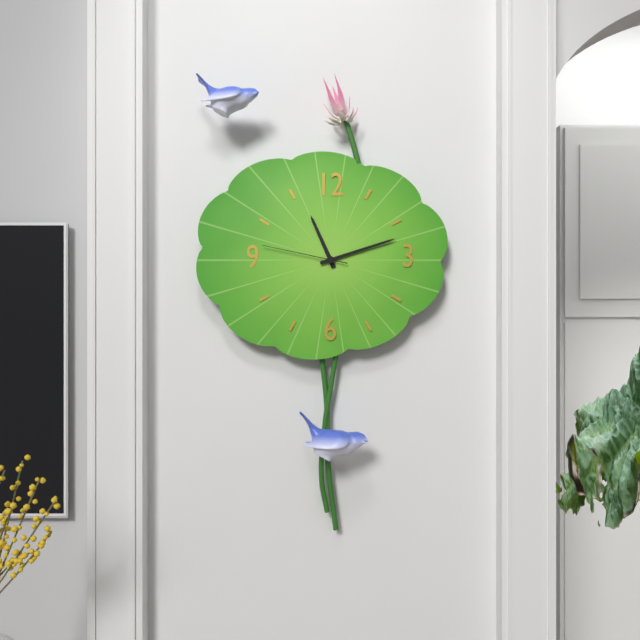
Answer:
11:12:47
